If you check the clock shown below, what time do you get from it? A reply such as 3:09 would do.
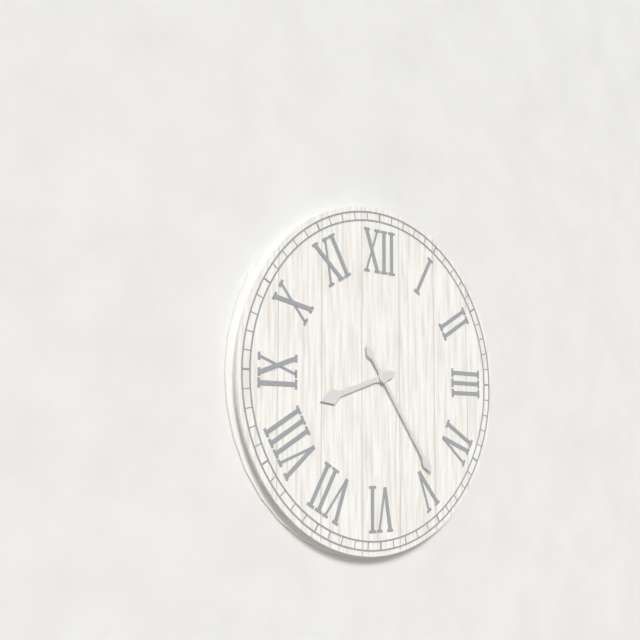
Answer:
8:24
